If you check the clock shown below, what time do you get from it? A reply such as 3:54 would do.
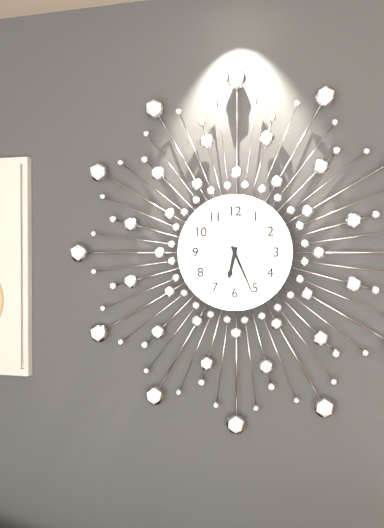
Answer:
6:26
